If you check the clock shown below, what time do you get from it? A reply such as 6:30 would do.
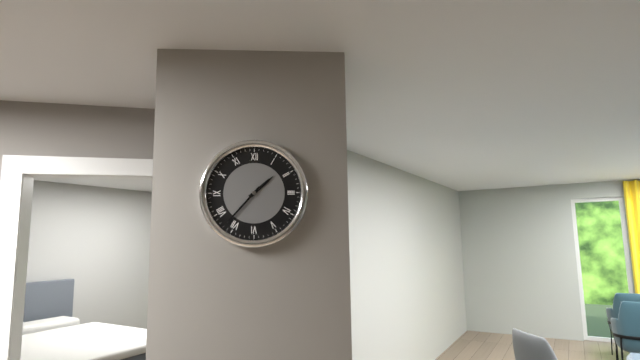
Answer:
1:37
